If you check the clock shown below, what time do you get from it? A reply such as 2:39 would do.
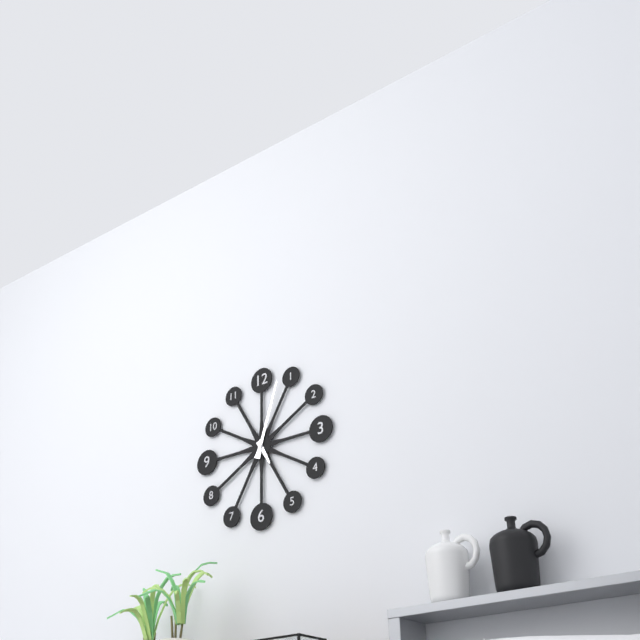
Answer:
5:03
